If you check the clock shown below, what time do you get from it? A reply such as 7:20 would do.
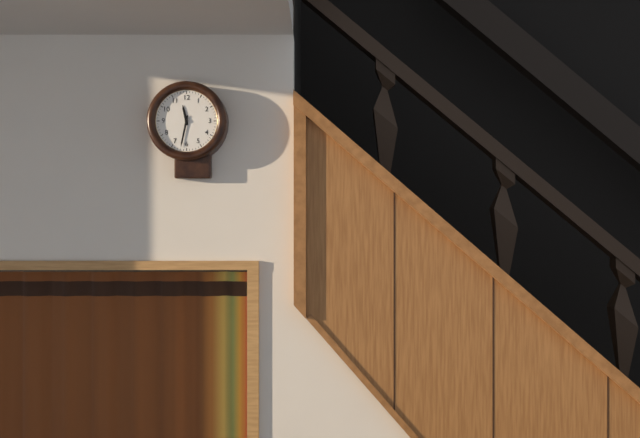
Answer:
11:32
